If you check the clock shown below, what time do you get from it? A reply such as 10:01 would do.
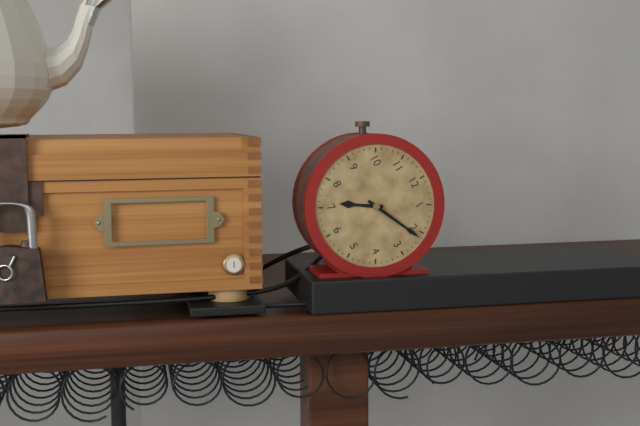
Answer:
7:11
